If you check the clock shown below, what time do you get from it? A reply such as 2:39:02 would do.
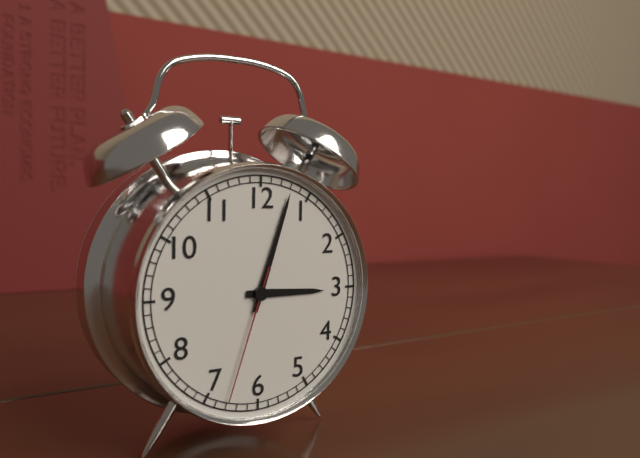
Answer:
3:03:33
